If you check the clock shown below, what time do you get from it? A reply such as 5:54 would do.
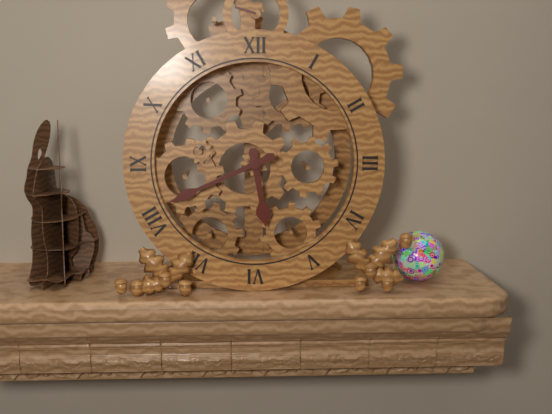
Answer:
5:41
